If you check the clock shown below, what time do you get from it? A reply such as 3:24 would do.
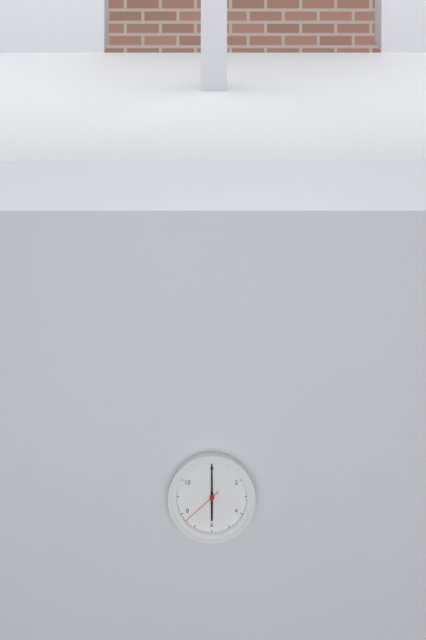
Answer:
6:00
